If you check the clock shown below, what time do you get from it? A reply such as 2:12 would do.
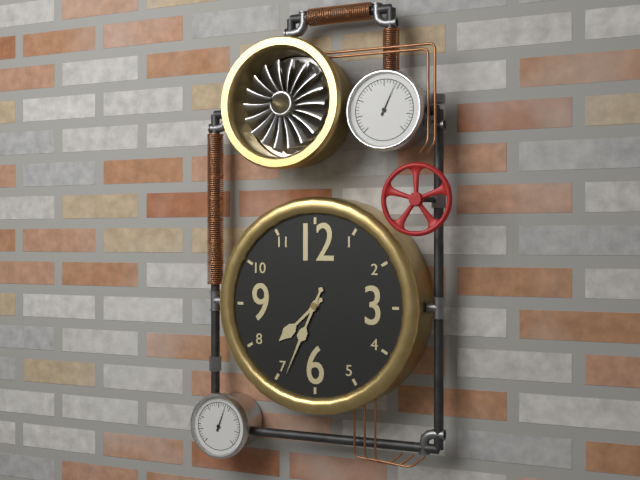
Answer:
7:34
